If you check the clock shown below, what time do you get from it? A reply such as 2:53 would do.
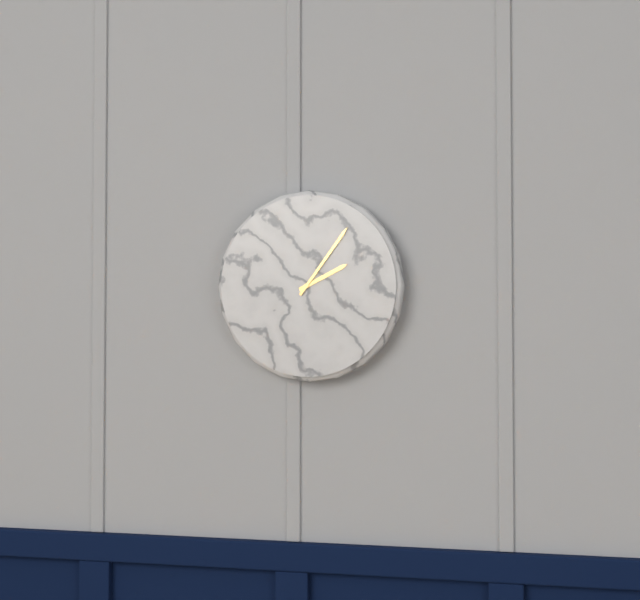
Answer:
2:06
